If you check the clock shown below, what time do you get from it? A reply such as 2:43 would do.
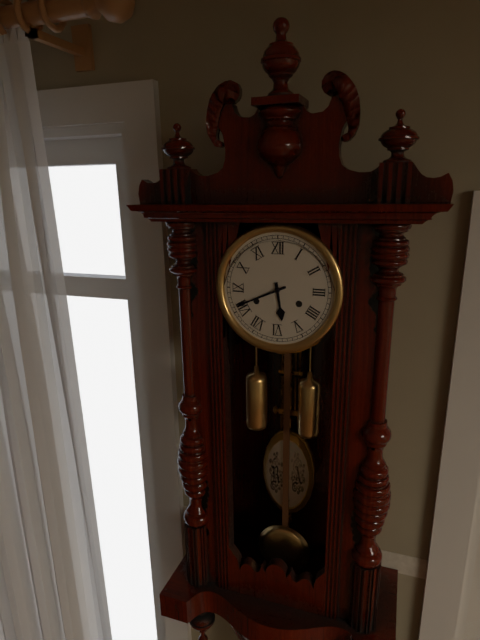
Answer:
5:41
